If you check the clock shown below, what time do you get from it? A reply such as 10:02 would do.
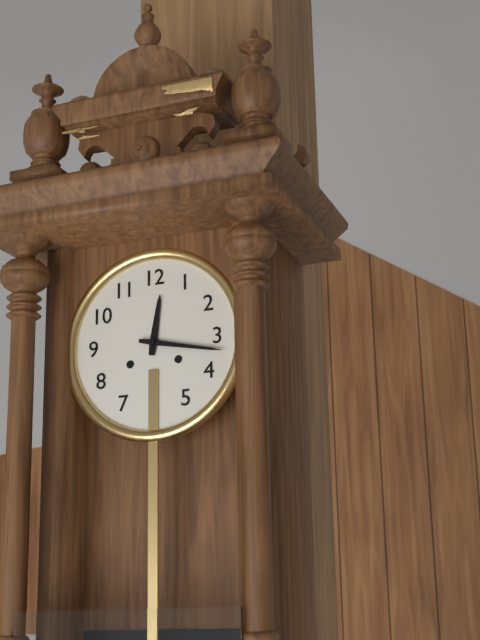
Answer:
12:17
